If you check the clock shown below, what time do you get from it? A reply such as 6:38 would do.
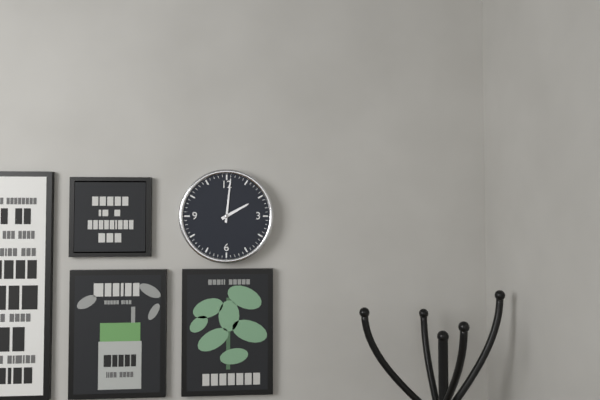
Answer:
2:01
